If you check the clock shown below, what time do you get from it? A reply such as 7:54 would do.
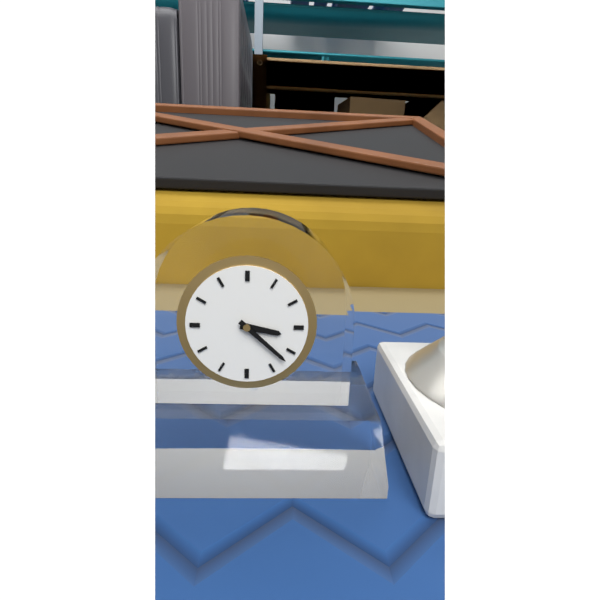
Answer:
3:22
